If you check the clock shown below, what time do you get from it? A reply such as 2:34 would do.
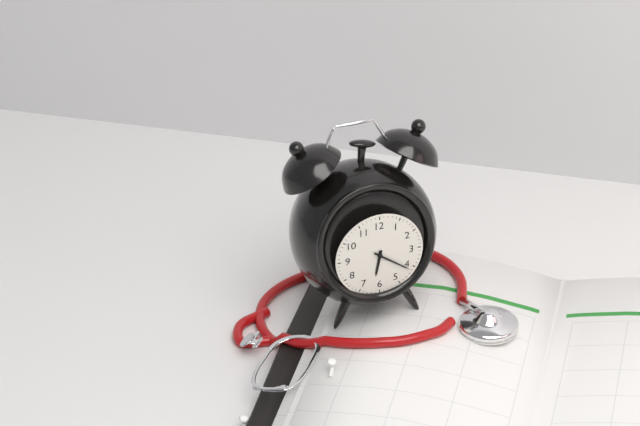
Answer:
6:21
